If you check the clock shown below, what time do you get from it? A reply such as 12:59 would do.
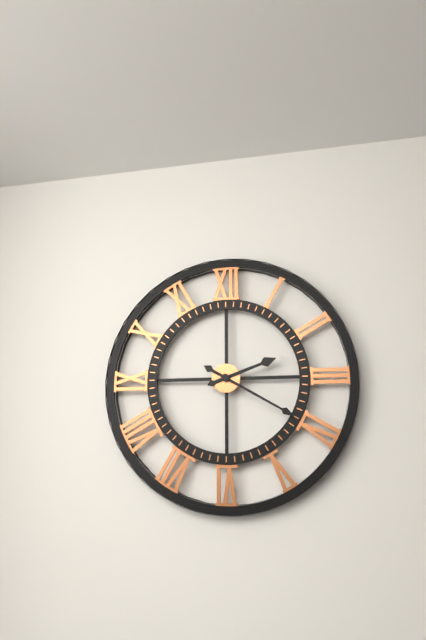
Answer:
2:20
